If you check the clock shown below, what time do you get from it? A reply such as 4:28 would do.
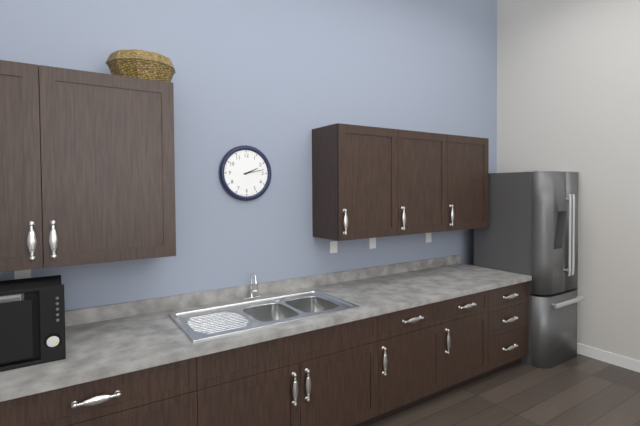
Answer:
2:13
